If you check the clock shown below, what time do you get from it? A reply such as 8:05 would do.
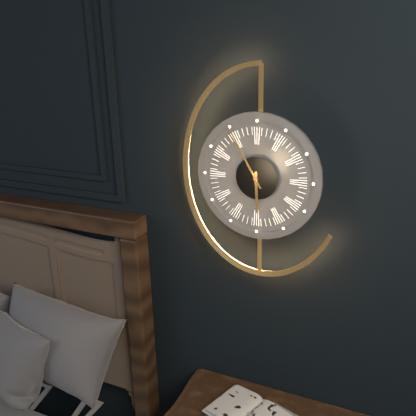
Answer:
5:55
